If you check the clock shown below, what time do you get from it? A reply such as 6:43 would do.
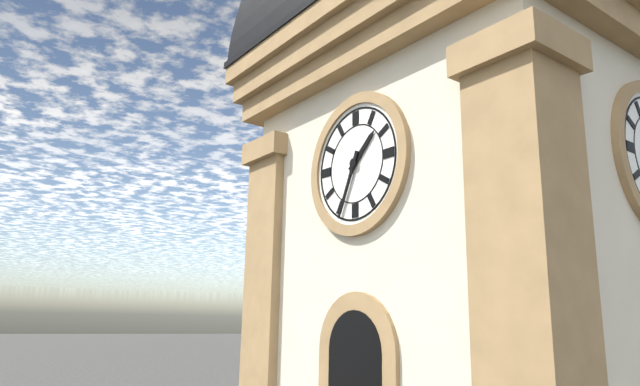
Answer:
1:34
